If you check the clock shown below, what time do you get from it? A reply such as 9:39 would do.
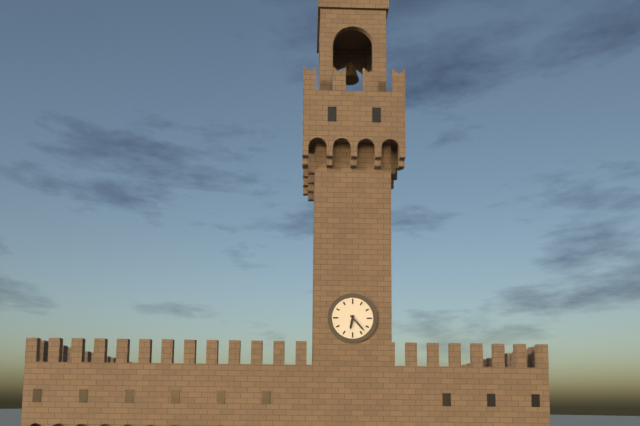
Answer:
6:23
